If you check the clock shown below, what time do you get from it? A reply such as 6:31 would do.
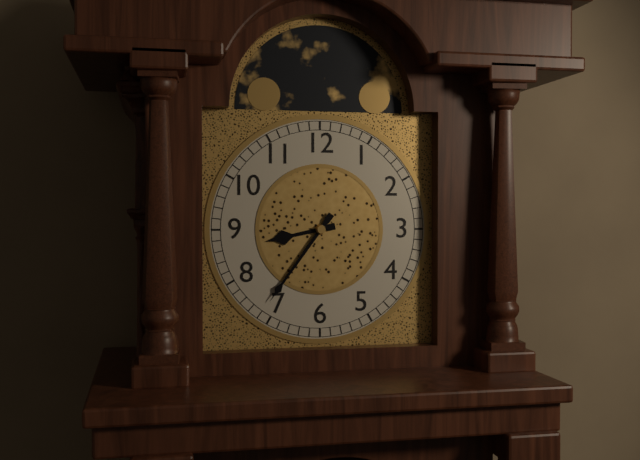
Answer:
8:36
